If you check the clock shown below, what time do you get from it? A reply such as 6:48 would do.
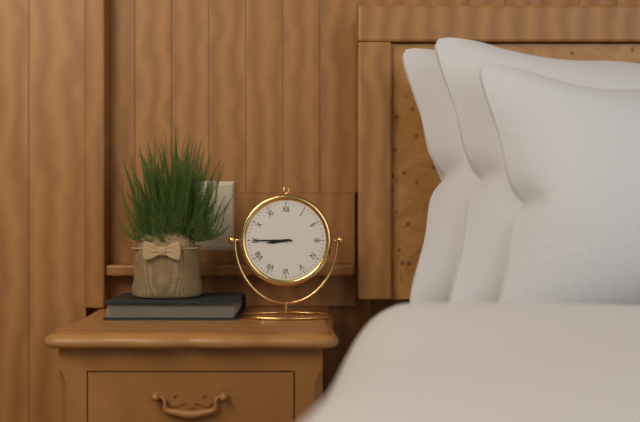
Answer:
8:45
